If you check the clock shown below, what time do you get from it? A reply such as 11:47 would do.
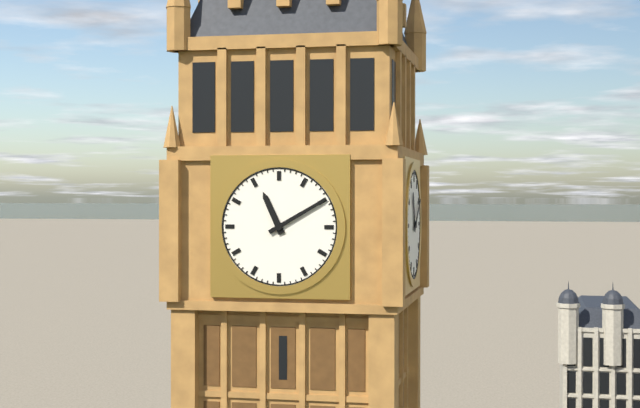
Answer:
11:10
